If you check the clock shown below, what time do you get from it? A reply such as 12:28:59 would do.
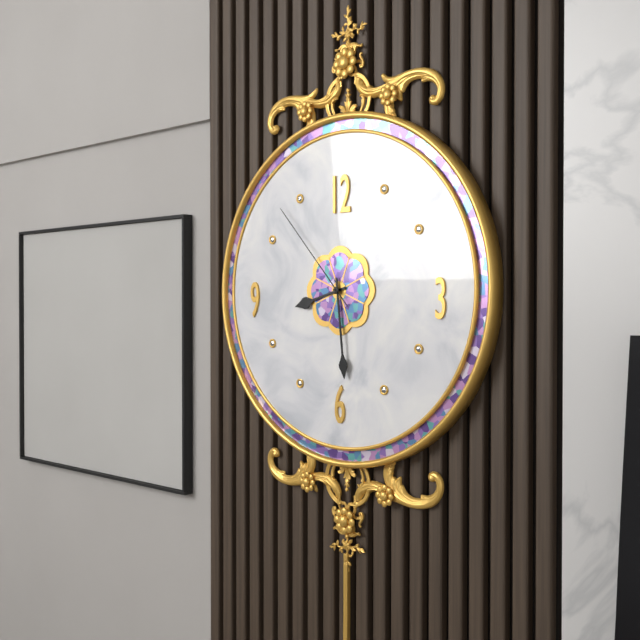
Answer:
8:29:53
